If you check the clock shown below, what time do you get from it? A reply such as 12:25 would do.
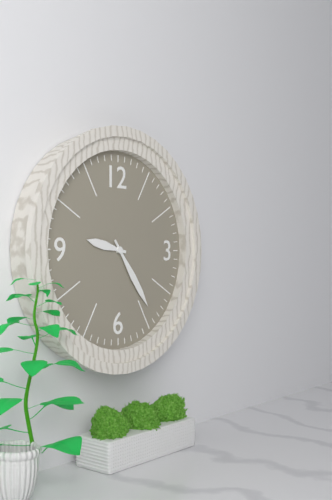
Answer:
9:24
